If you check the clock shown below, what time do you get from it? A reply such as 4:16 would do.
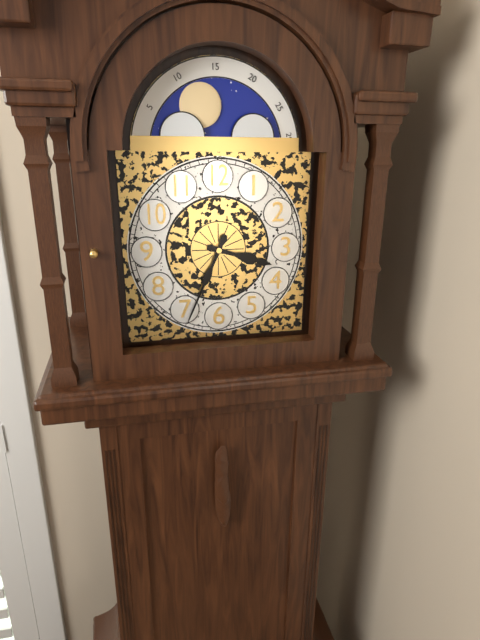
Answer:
3:34
